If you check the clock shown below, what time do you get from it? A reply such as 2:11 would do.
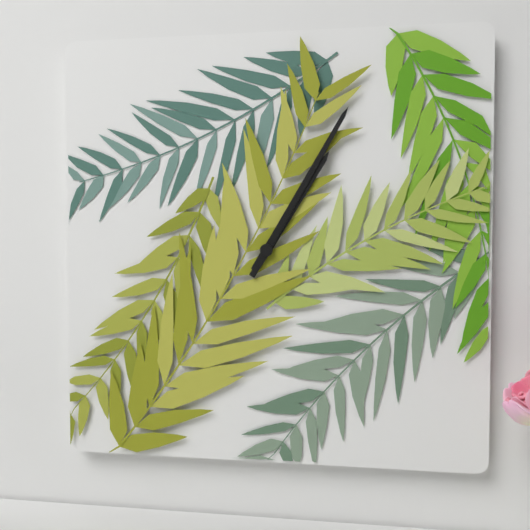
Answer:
1:05
